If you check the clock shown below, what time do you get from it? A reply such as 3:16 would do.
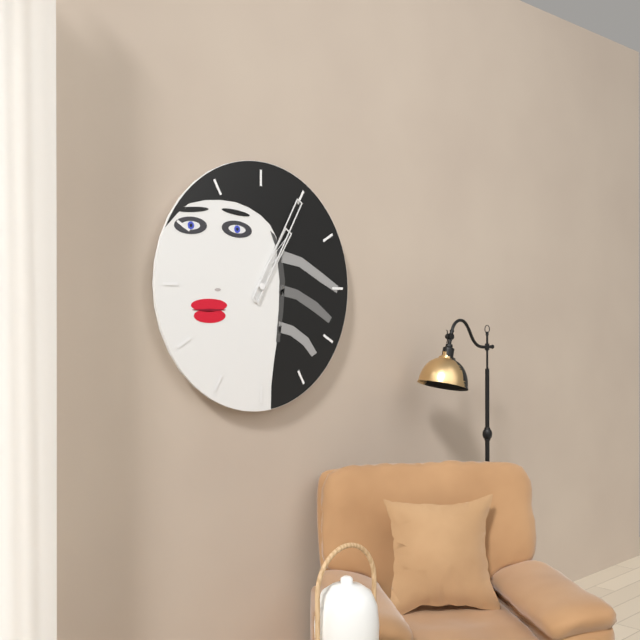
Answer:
1:05
